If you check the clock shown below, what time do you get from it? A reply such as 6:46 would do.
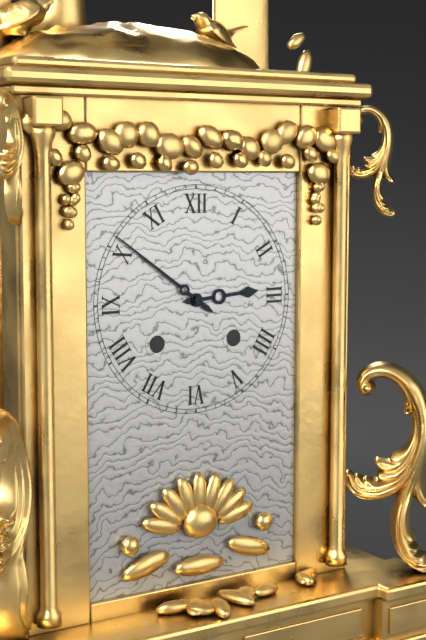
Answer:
2:51
